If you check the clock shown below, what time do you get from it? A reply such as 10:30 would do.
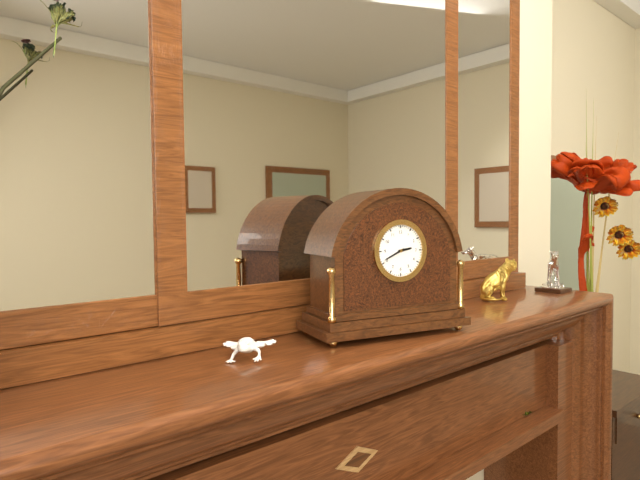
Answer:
2:41
